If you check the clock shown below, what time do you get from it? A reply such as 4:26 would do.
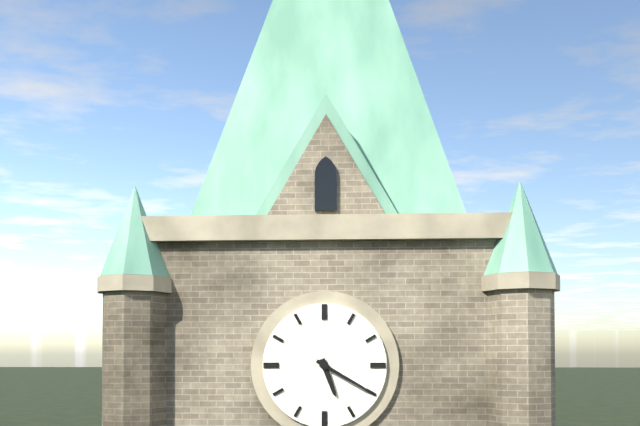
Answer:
5:20
